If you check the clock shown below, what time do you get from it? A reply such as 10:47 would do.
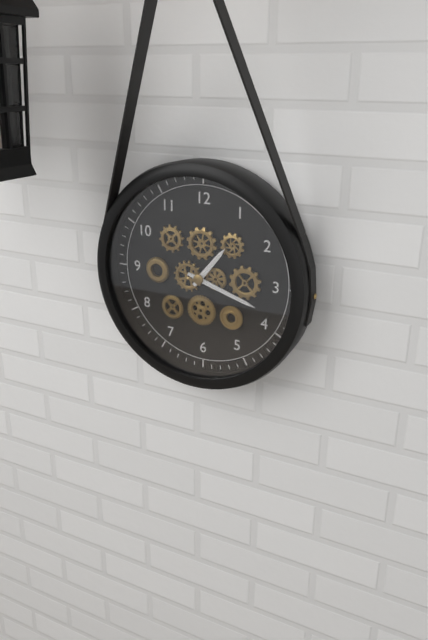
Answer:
1:18
